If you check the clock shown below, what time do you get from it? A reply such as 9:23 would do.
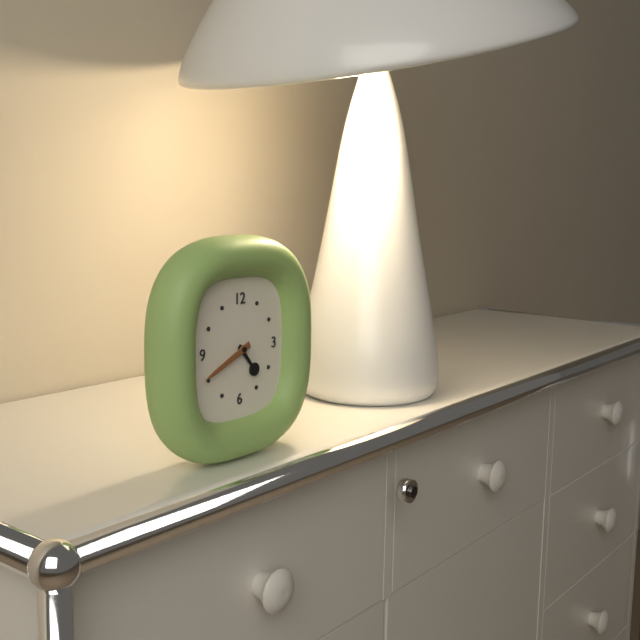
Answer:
4:41
